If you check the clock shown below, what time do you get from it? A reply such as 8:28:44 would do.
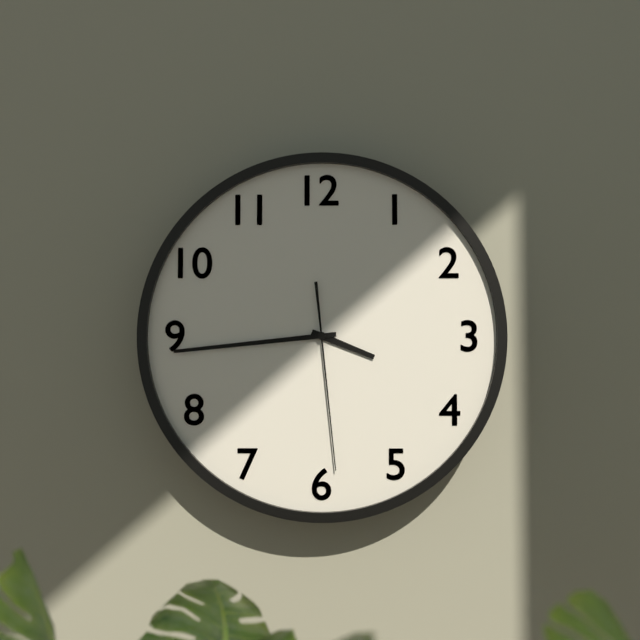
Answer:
3:44:29
